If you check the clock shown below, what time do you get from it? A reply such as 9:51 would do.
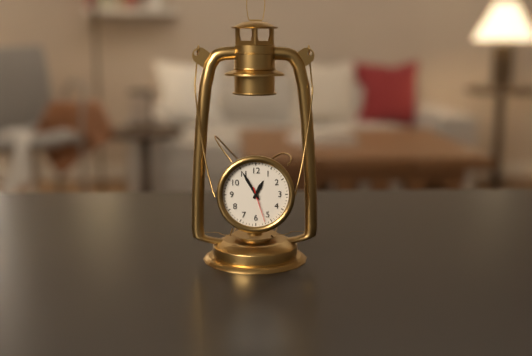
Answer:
12:55
